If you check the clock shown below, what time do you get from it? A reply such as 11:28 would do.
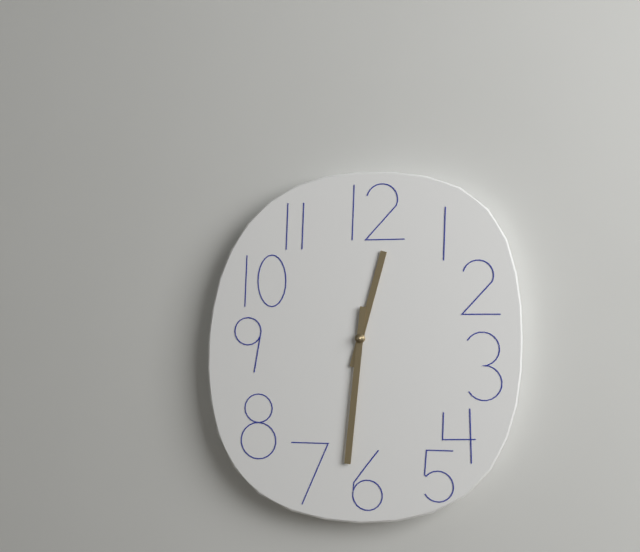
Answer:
12:31
